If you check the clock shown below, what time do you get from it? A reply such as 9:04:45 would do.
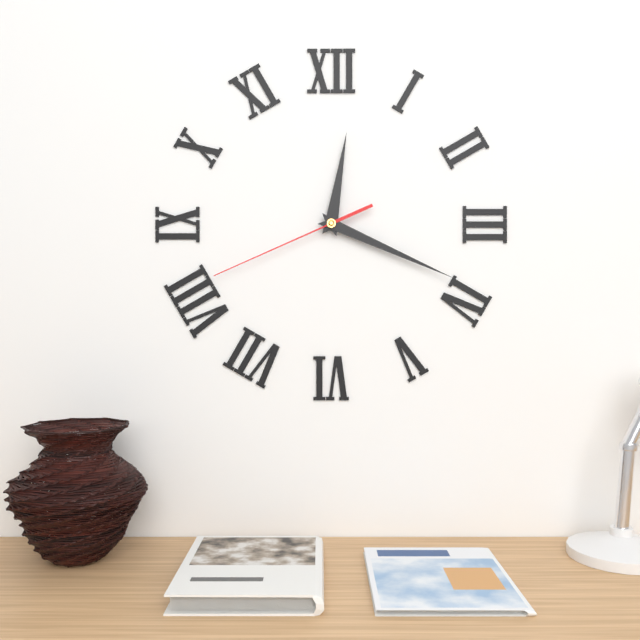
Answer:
12:19:41
